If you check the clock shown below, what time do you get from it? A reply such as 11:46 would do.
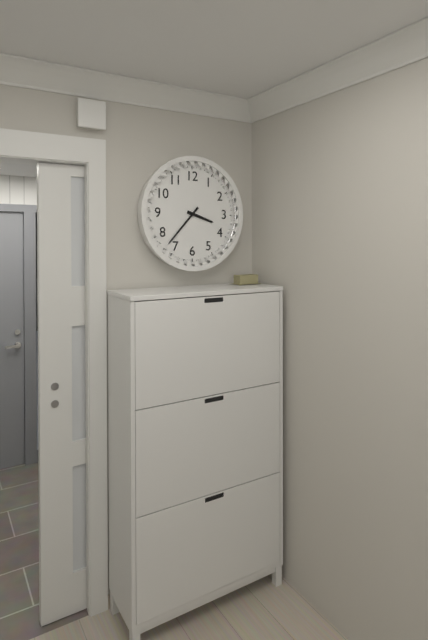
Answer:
3:37
